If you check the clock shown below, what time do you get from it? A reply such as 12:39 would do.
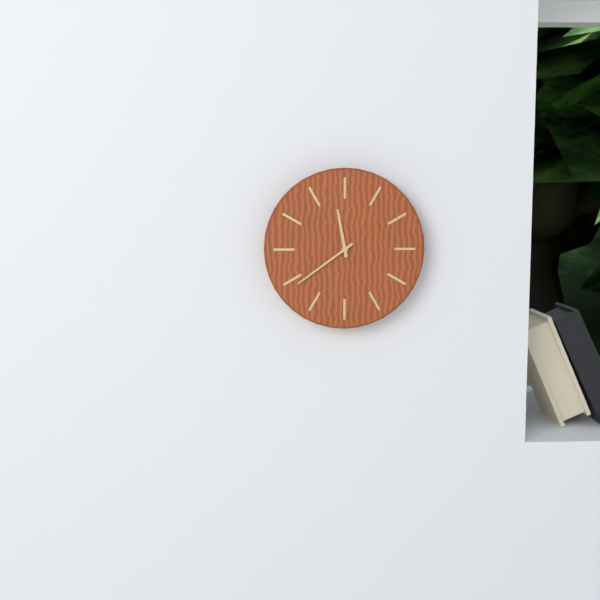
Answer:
11:39
